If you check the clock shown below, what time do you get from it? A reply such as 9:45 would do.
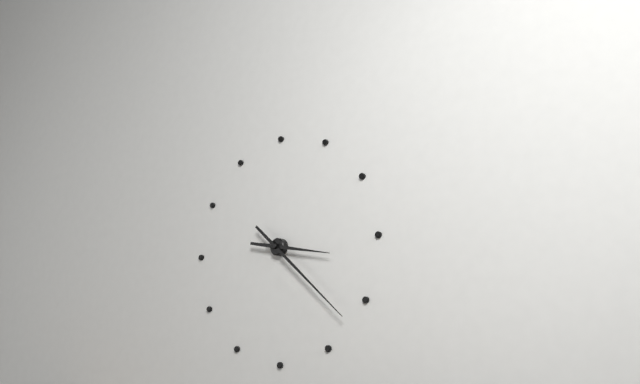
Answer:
3:22
